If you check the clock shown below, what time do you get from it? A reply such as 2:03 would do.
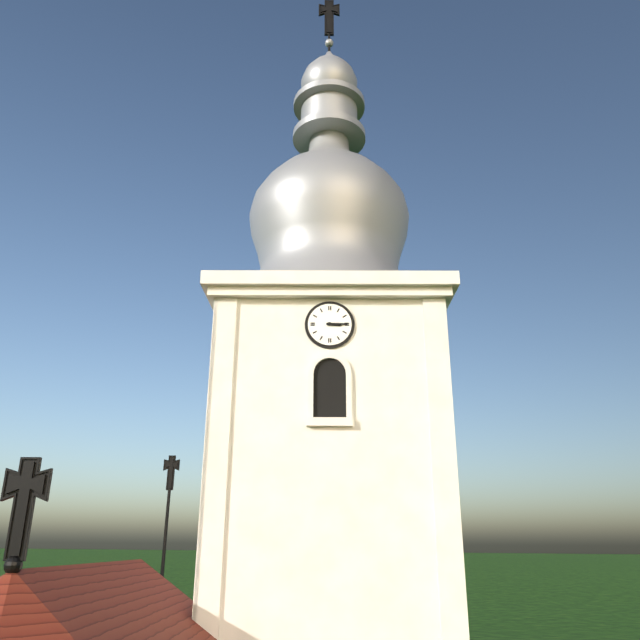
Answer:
3:15
